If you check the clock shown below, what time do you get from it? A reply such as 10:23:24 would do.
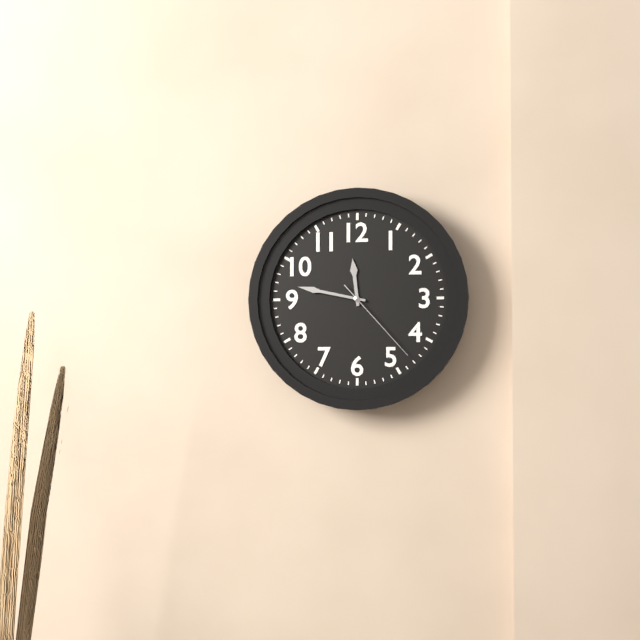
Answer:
11:47:23
